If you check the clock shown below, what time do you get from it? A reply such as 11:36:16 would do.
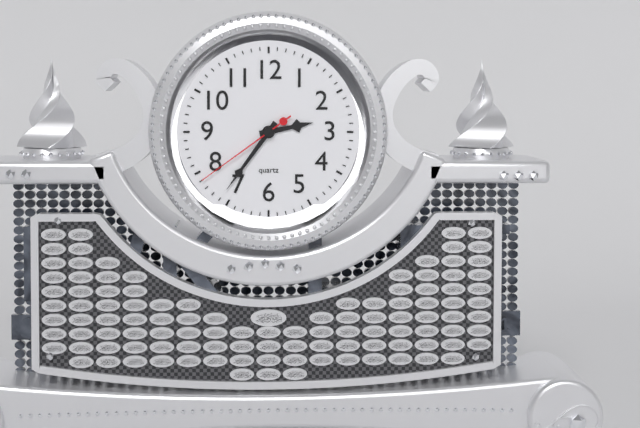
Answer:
2:36:39
